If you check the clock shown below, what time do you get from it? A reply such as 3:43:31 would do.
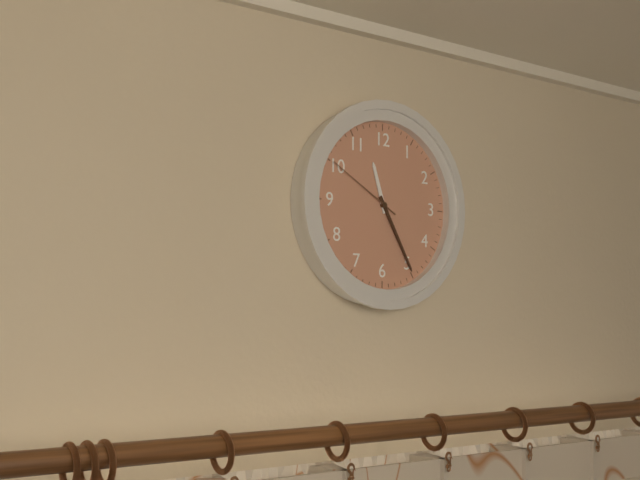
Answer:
11:25:50
